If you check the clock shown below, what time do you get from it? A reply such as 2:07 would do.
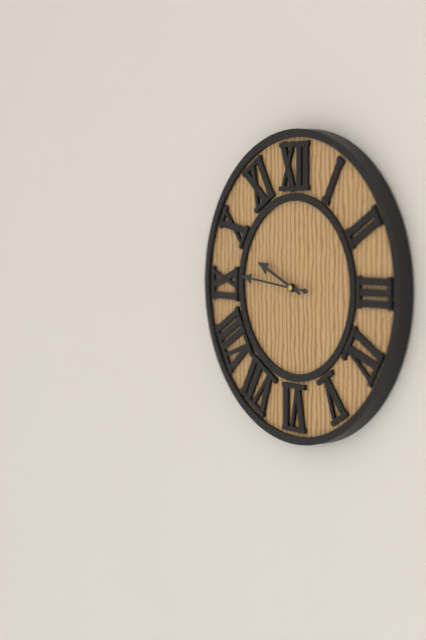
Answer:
9:46
